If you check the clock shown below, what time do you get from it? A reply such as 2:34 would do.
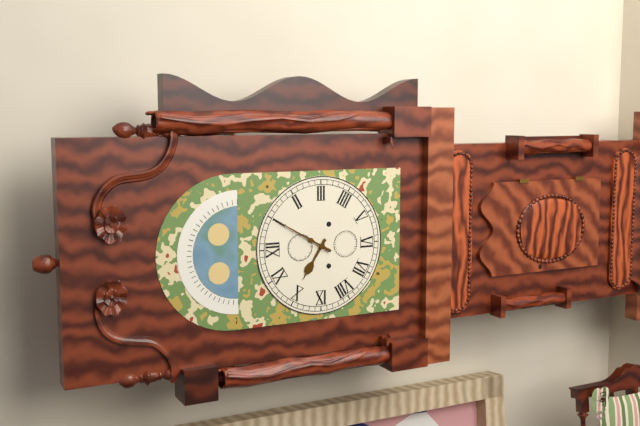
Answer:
10:05
